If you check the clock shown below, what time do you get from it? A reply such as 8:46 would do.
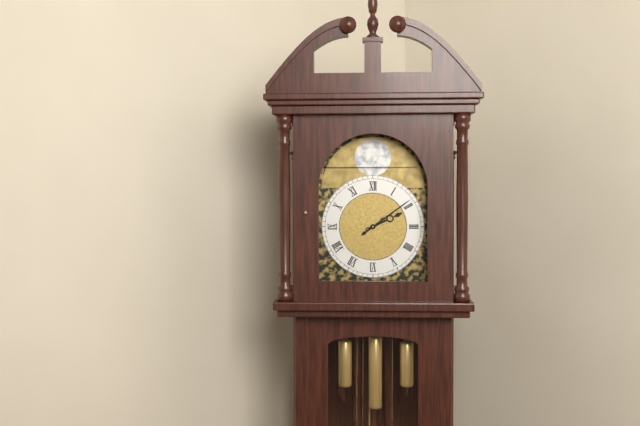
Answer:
2:09
